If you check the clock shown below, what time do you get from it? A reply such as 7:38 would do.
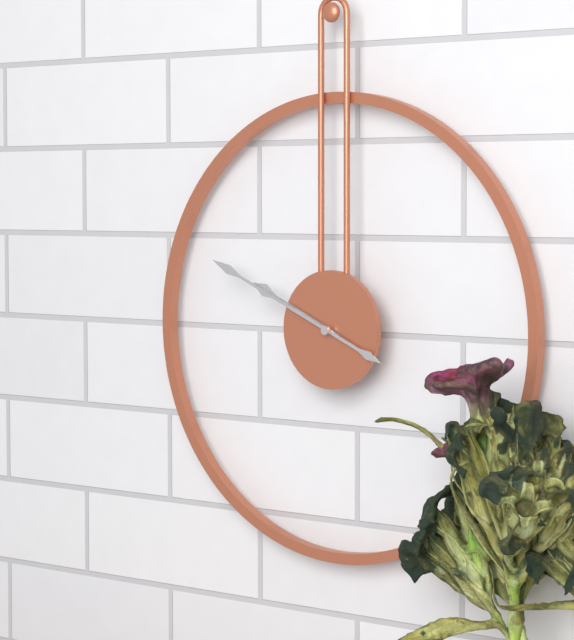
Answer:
9:49
